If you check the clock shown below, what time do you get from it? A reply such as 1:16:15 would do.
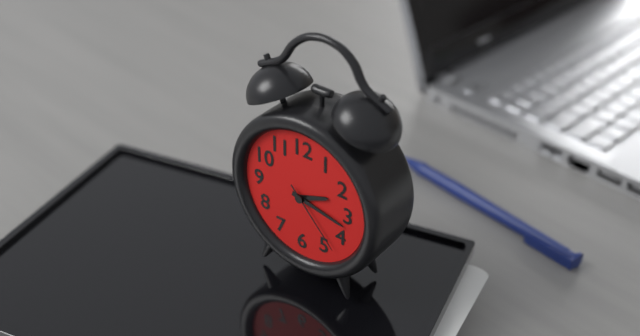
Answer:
2:17:23
